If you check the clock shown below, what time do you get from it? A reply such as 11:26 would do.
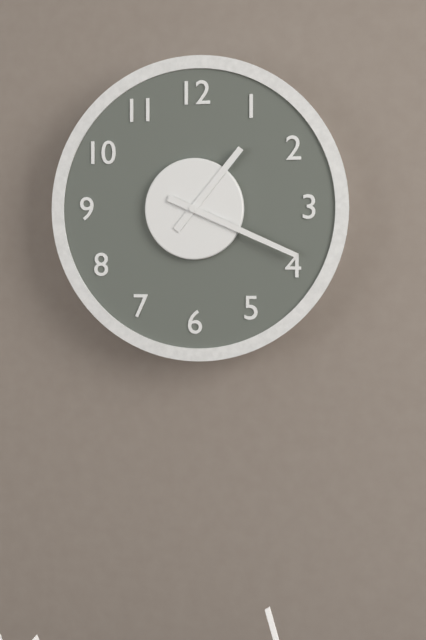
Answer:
1:19
